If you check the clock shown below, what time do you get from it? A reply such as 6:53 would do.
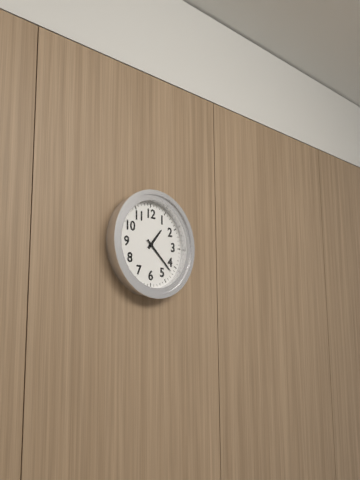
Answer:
1:22
